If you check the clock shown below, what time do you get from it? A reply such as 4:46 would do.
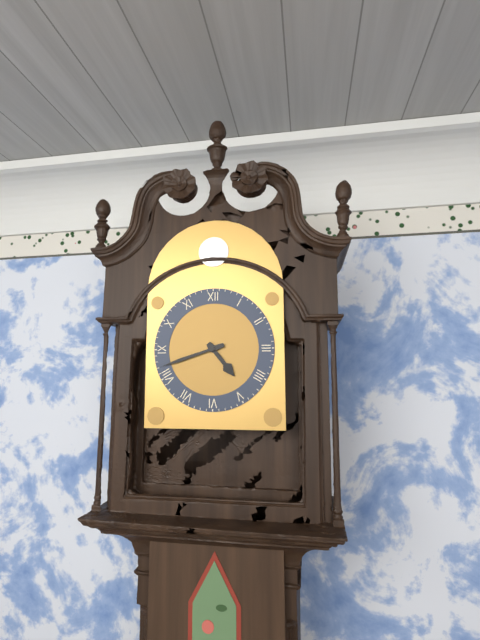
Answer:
4:42
